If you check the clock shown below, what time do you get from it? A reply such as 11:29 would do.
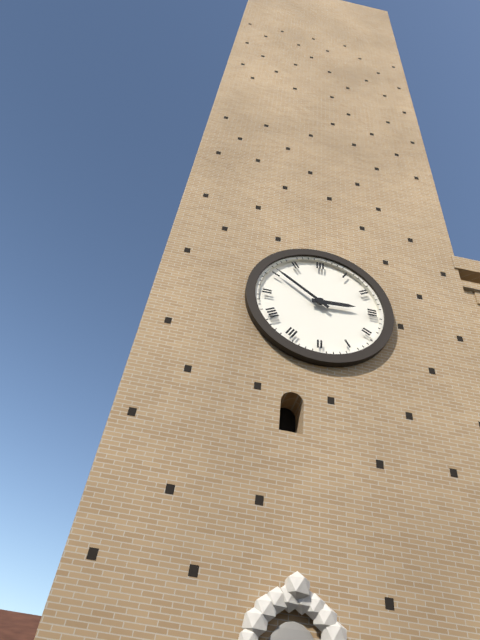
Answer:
2:51
